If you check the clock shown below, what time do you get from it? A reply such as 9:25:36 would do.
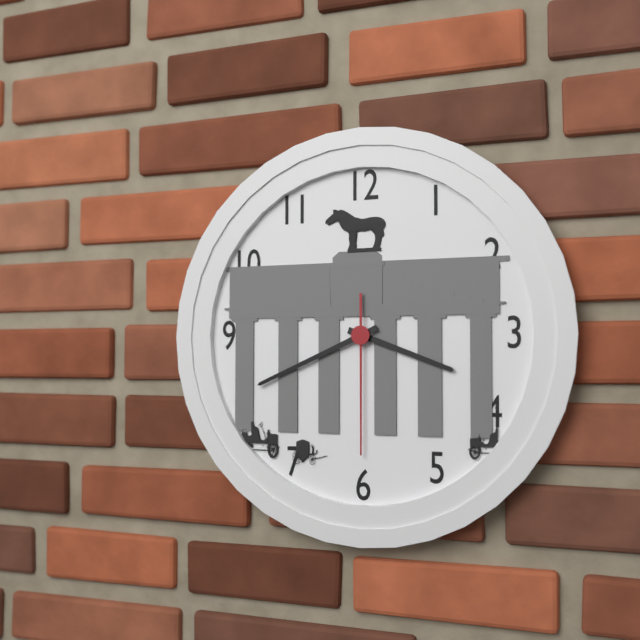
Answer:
3:41:30
